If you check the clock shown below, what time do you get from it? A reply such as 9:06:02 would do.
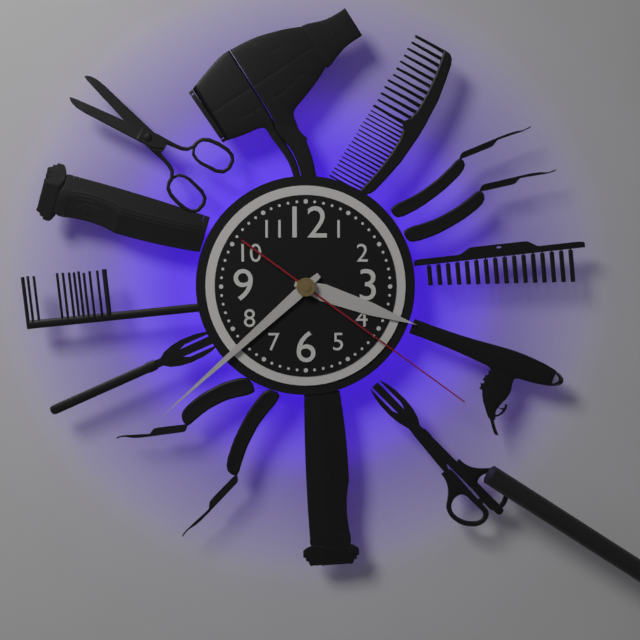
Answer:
3:38:21
